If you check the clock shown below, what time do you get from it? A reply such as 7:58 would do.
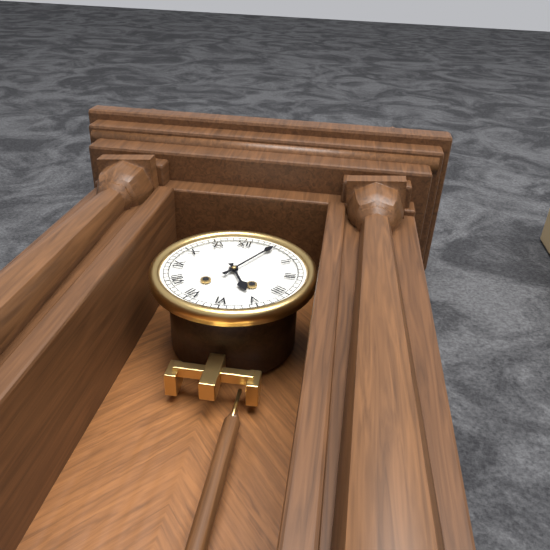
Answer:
5:05
